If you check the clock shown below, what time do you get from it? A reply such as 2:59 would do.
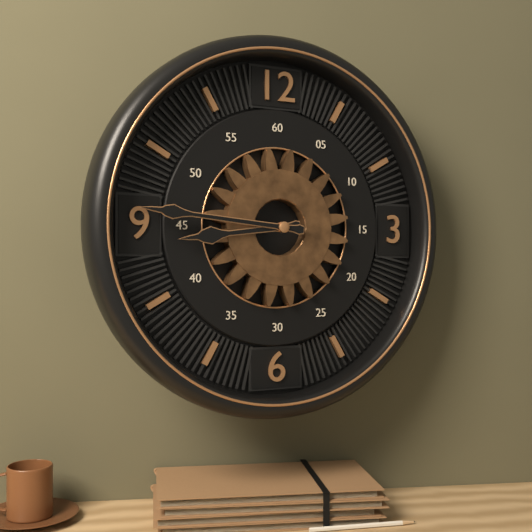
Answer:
8:46
